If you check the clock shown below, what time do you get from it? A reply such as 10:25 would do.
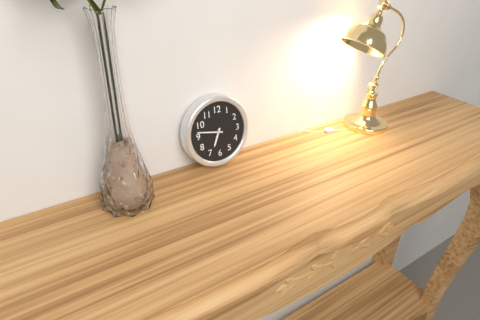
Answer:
6:47
